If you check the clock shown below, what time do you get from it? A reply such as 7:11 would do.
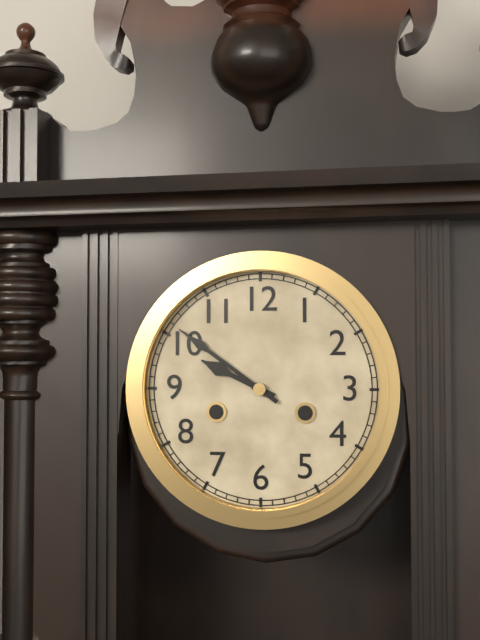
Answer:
9:51
